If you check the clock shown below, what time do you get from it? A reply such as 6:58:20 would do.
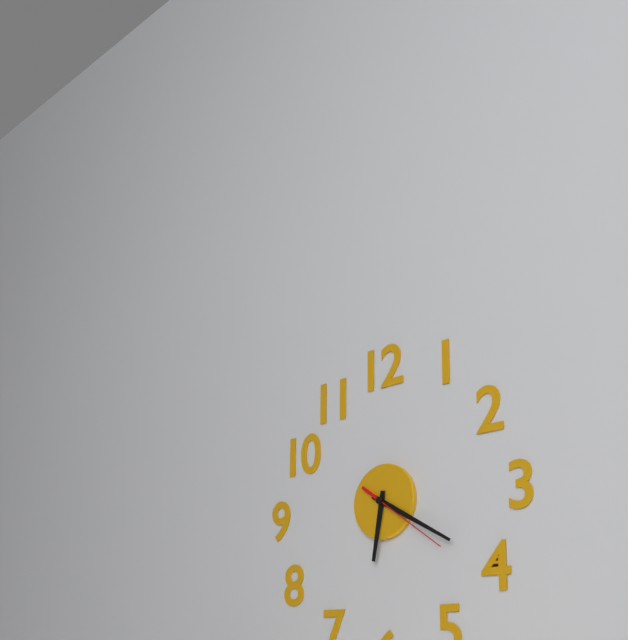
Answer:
6:20:21
